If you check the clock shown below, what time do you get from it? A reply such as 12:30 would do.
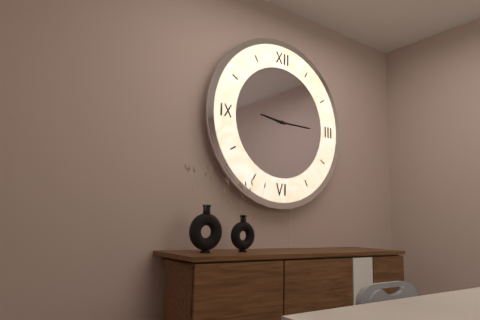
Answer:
9:15
